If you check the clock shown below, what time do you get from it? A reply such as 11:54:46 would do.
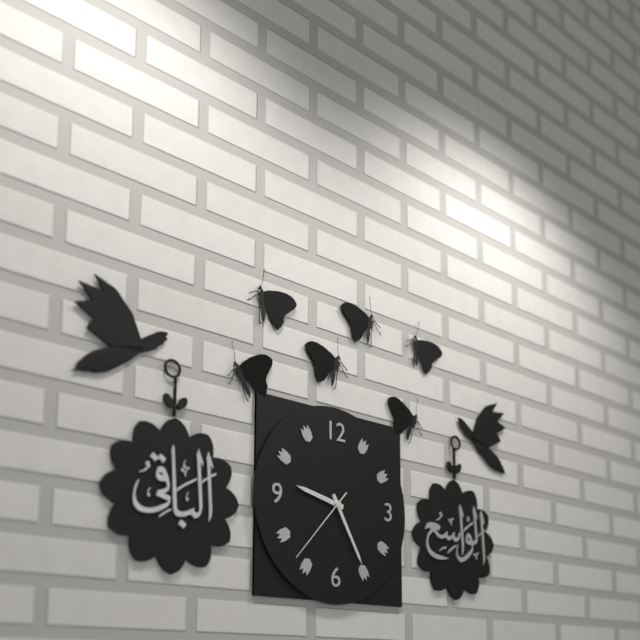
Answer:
9:25:37
